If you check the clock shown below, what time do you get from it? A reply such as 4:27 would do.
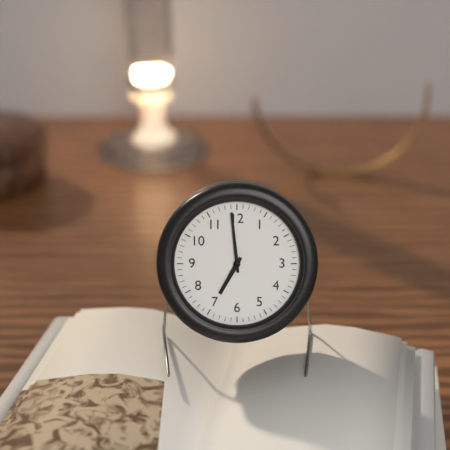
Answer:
6:59
